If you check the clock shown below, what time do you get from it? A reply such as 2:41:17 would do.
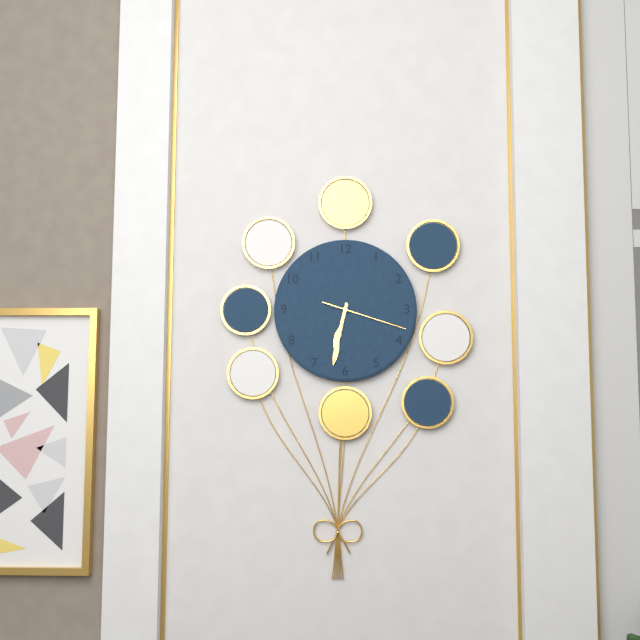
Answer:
6:32:18
